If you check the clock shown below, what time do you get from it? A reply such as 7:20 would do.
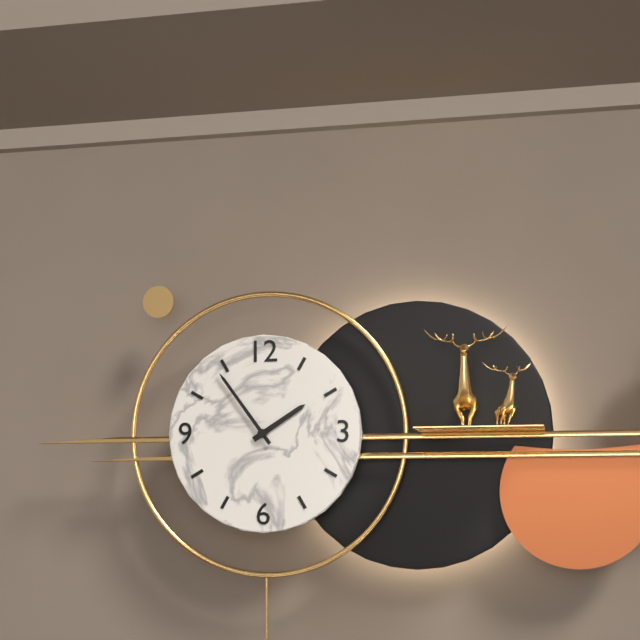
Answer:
1:54
